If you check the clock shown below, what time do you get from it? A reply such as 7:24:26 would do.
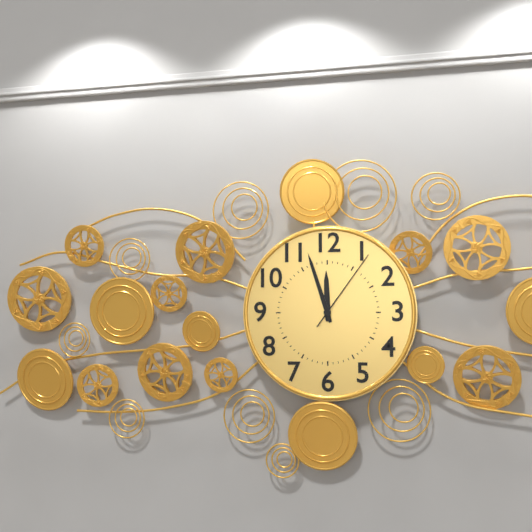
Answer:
11:57:06
